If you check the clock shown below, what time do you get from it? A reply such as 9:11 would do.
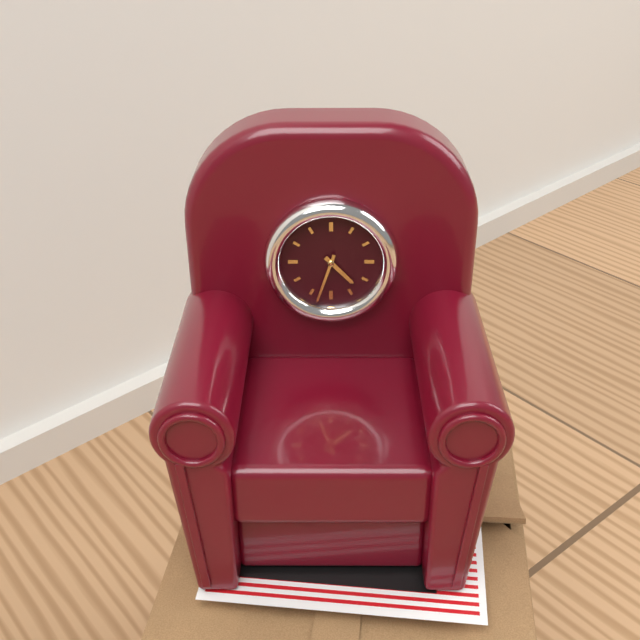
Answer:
4:33
